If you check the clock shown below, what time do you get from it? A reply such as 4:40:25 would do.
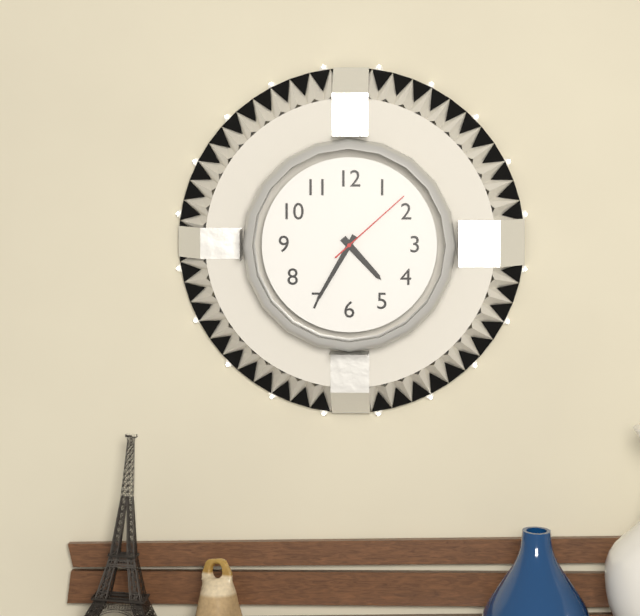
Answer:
4:35:08
